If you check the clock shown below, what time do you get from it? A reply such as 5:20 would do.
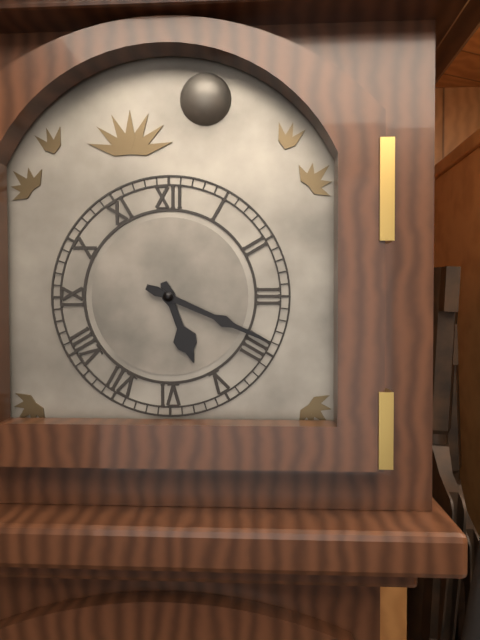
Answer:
5:19
